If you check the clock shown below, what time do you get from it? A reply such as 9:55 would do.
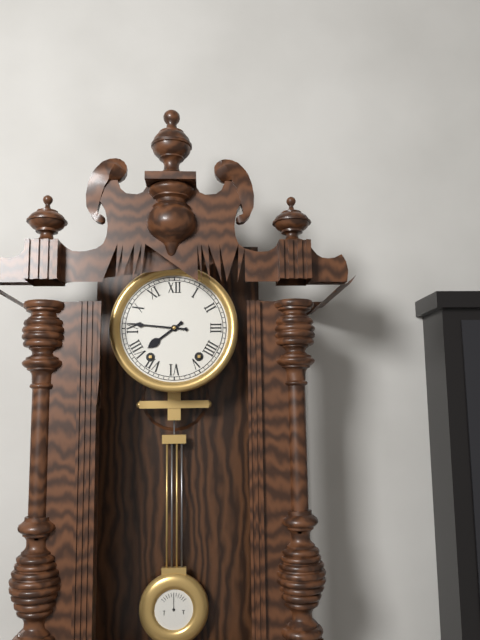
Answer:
7:46
